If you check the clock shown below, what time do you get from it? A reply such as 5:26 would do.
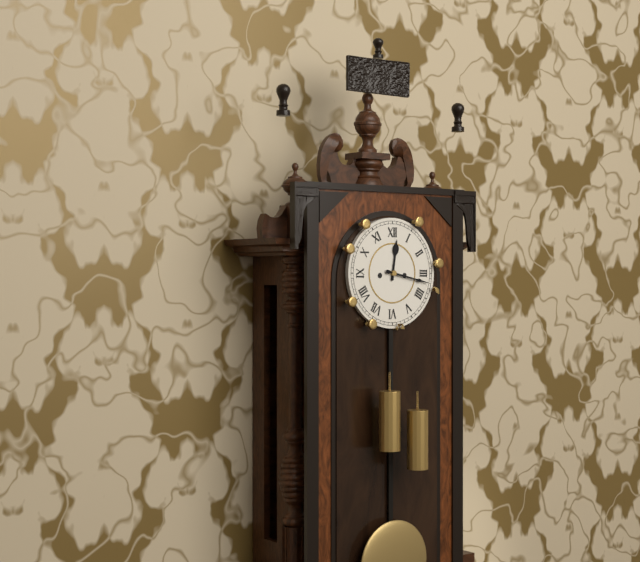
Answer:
12:17
